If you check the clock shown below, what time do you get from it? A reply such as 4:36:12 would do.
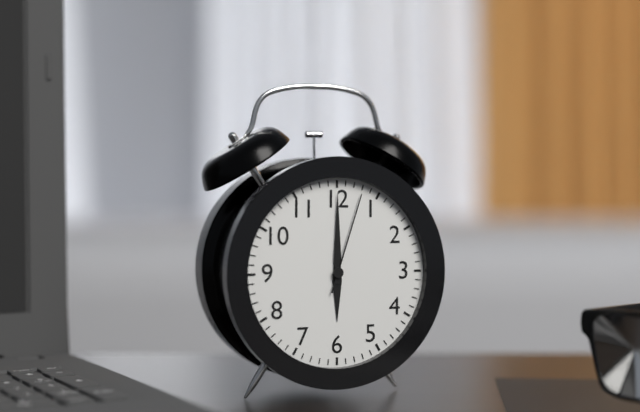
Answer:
6:00:03
